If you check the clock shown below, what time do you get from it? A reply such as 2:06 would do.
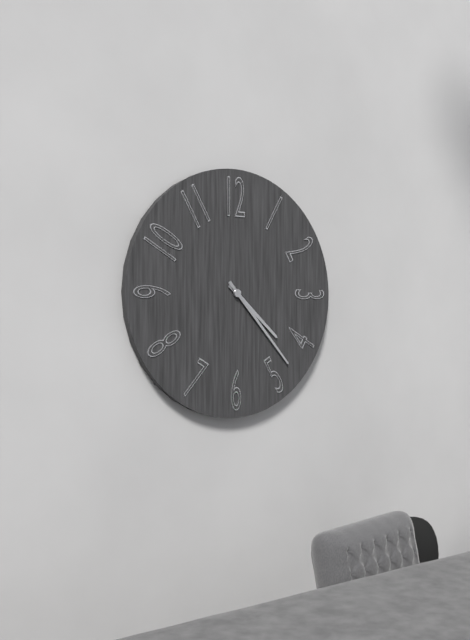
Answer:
4:23
